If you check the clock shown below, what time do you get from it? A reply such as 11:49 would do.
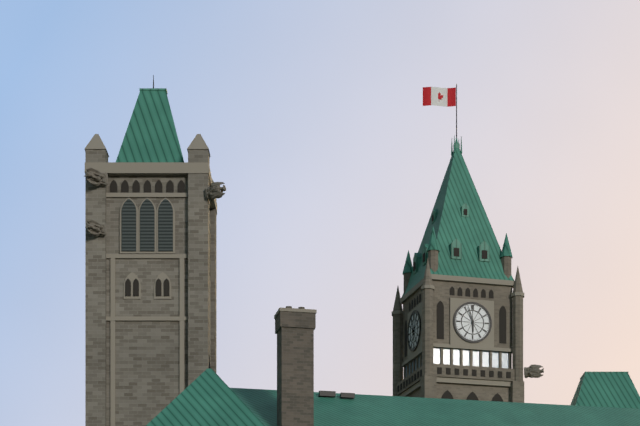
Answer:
5:57
